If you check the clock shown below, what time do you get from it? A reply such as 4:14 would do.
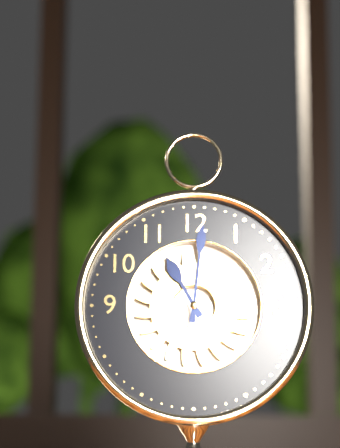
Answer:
11:01
